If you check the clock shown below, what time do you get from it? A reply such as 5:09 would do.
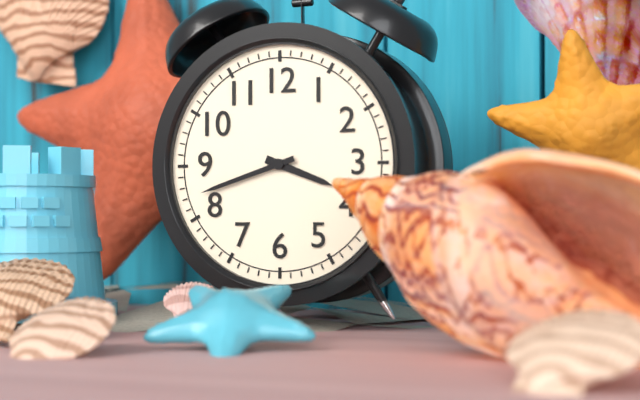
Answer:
3:42
